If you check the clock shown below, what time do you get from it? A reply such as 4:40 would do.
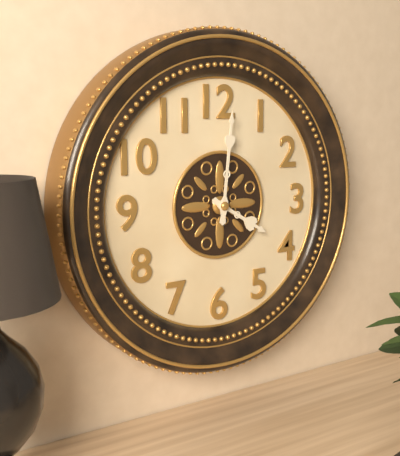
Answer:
4:01
